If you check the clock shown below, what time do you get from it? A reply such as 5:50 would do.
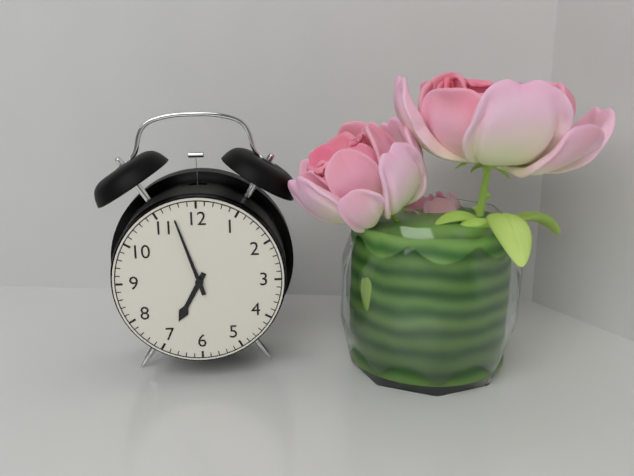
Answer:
6:57
